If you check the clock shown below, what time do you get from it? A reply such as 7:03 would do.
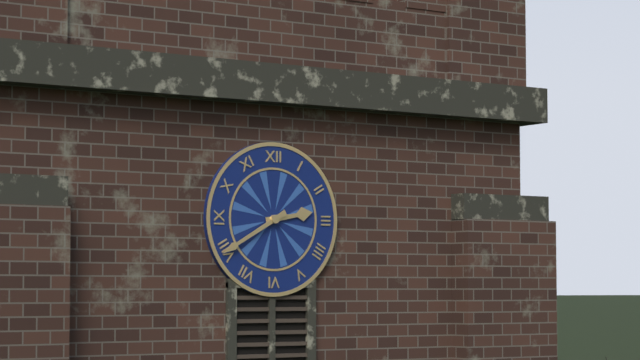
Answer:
2:40
